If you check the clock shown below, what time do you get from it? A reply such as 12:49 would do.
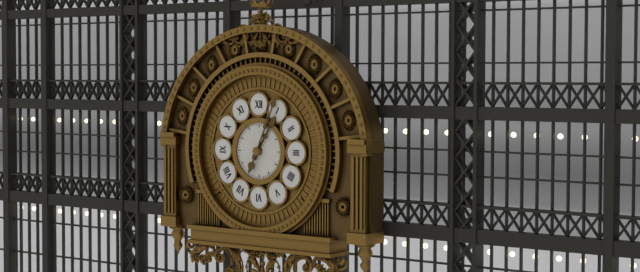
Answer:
1:04
